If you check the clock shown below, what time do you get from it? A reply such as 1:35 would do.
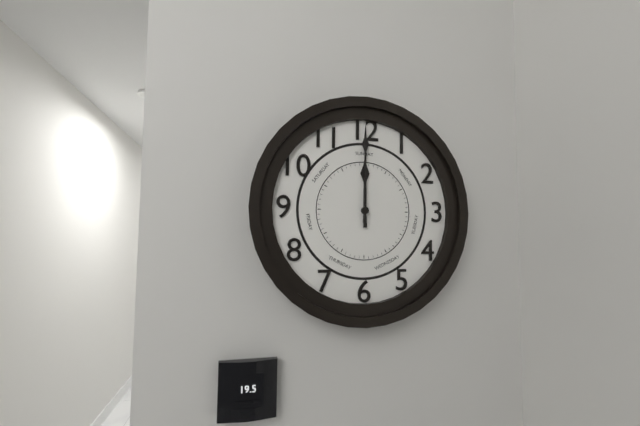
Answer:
12:00
